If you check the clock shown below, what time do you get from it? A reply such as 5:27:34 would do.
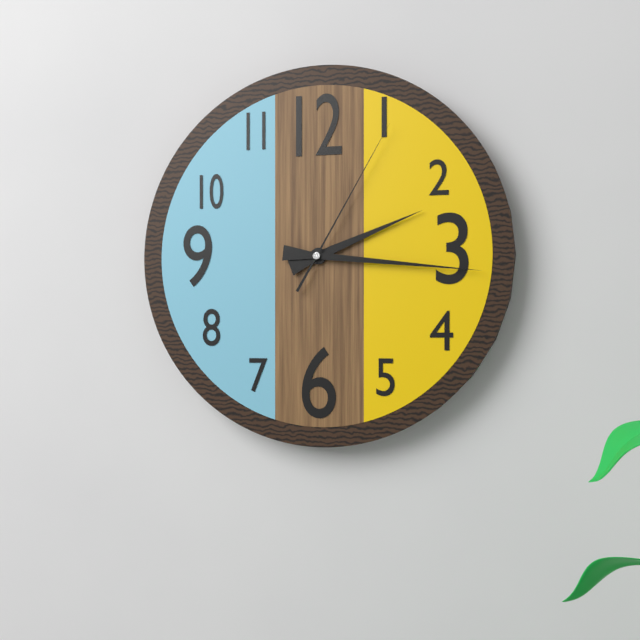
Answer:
2:16:05
